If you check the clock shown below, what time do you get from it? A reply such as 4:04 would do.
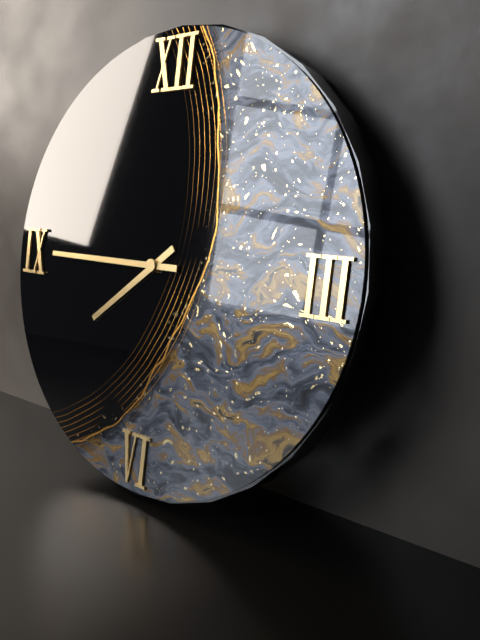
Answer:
7:45
